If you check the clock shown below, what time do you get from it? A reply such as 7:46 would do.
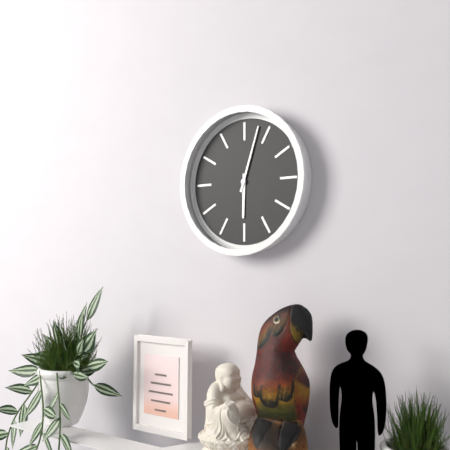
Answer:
6:03
